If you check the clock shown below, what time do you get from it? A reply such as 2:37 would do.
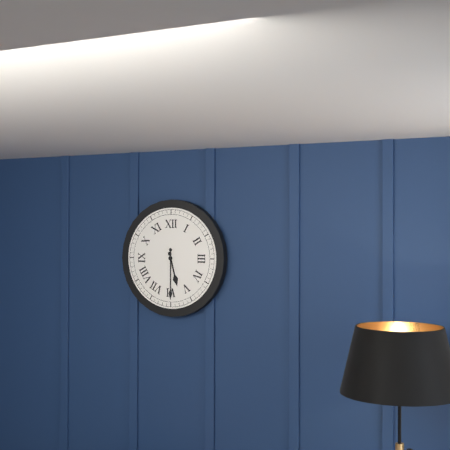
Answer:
5:30
